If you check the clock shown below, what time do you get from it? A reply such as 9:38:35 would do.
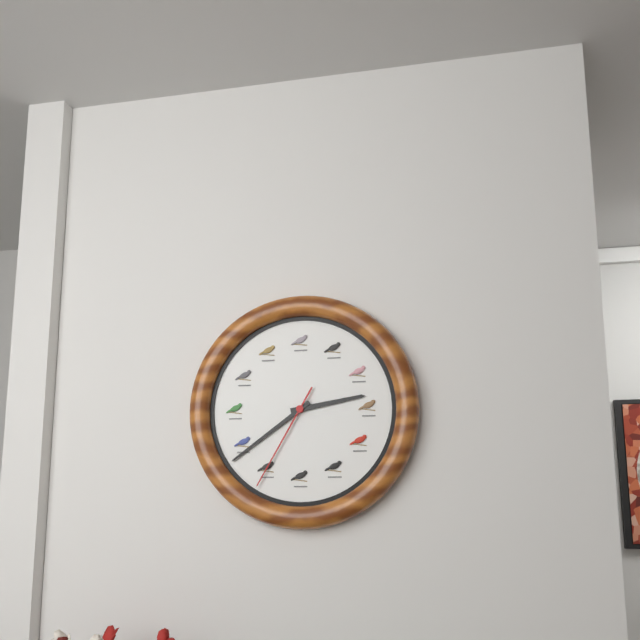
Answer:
2:39:35
